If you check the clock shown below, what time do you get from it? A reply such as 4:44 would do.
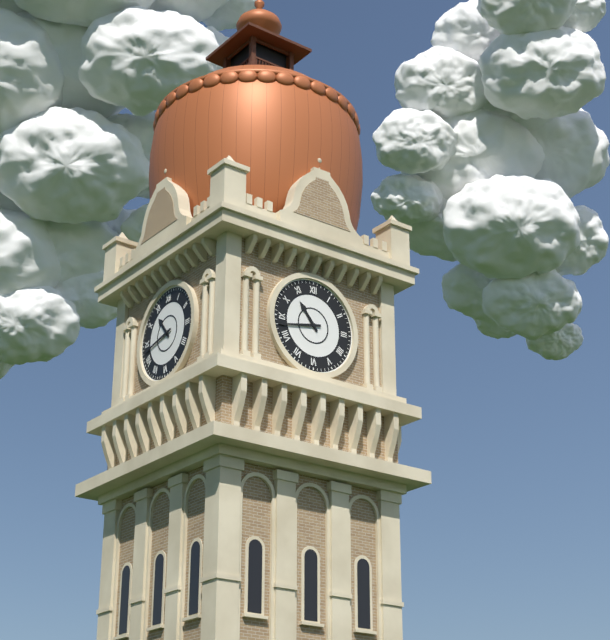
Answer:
10:43
